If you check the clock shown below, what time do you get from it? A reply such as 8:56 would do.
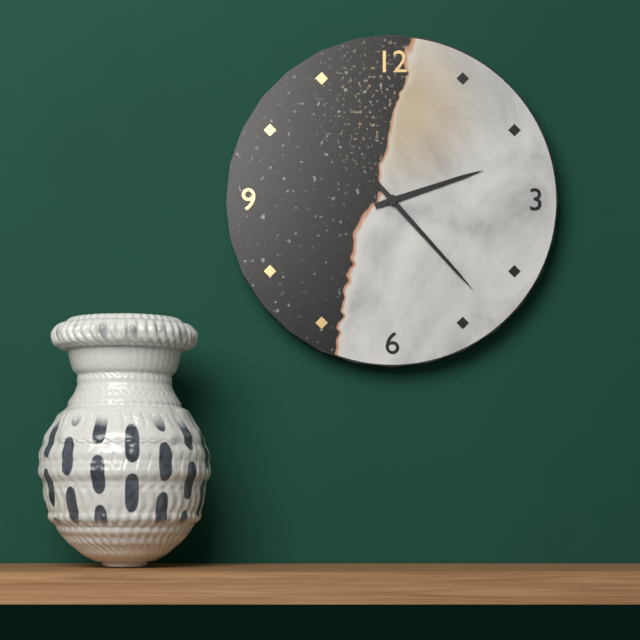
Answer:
2:23
